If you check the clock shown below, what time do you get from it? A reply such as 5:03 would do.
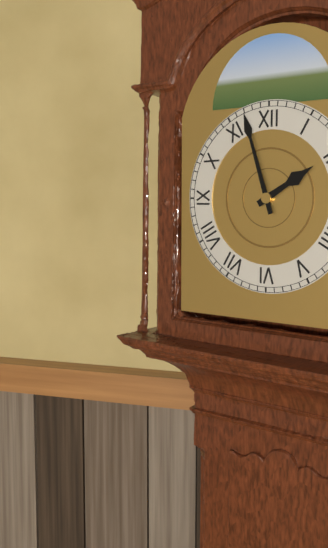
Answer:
1:57
